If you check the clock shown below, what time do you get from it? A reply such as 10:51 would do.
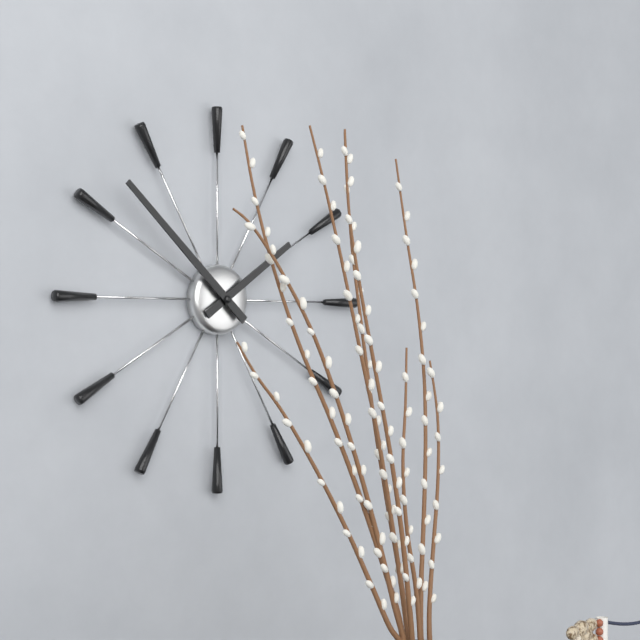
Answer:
1:52
